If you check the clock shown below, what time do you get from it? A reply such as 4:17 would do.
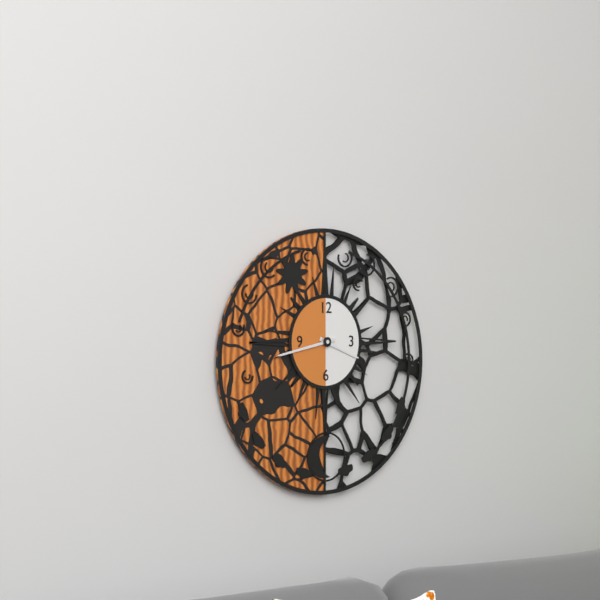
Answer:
3:43
